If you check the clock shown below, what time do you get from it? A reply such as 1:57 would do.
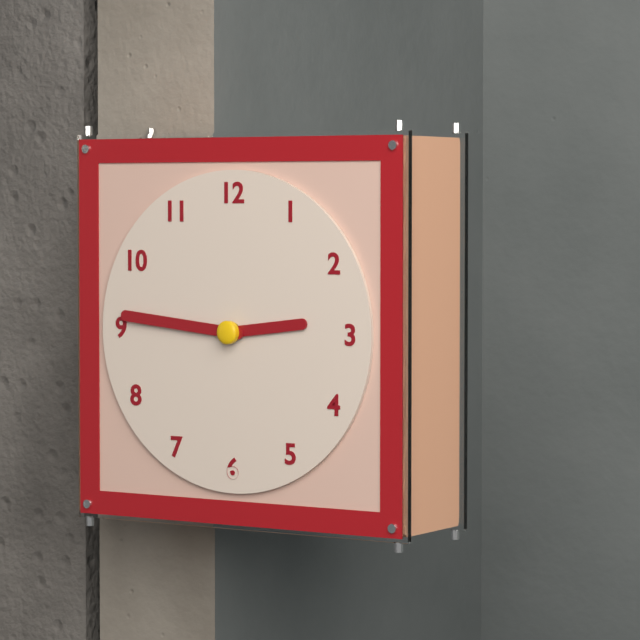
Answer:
2:46
